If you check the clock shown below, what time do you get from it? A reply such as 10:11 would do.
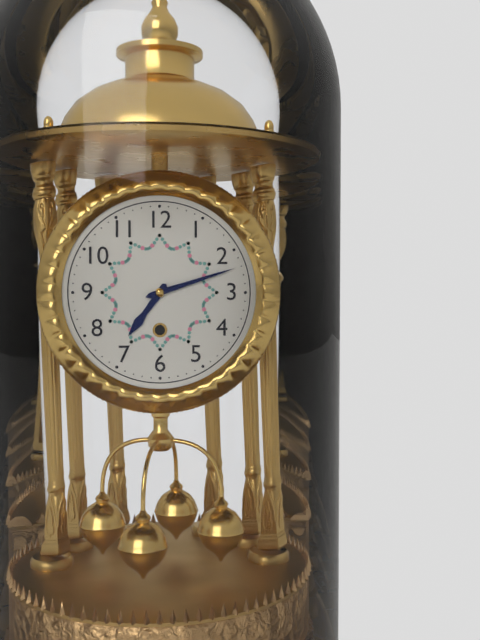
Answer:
7:12
